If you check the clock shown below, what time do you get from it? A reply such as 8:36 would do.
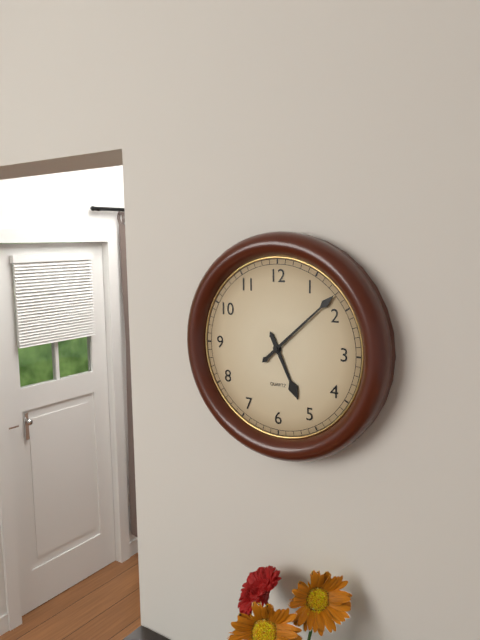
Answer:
5:08
